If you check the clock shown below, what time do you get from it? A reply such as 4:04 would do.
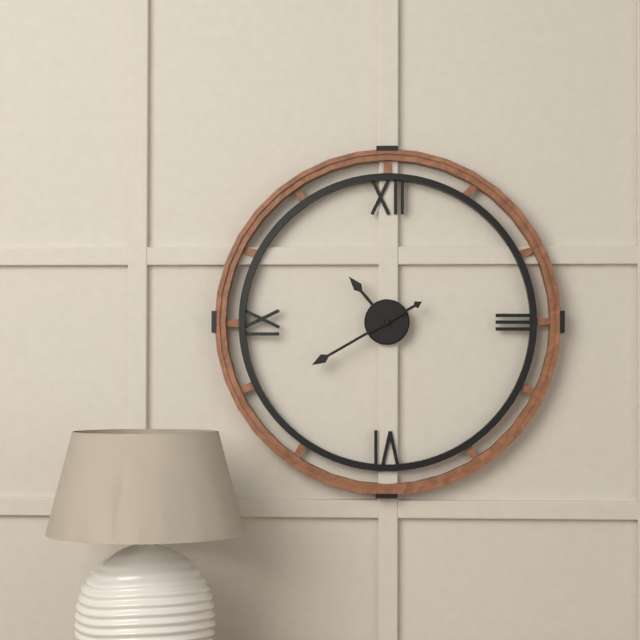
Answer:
10:40
